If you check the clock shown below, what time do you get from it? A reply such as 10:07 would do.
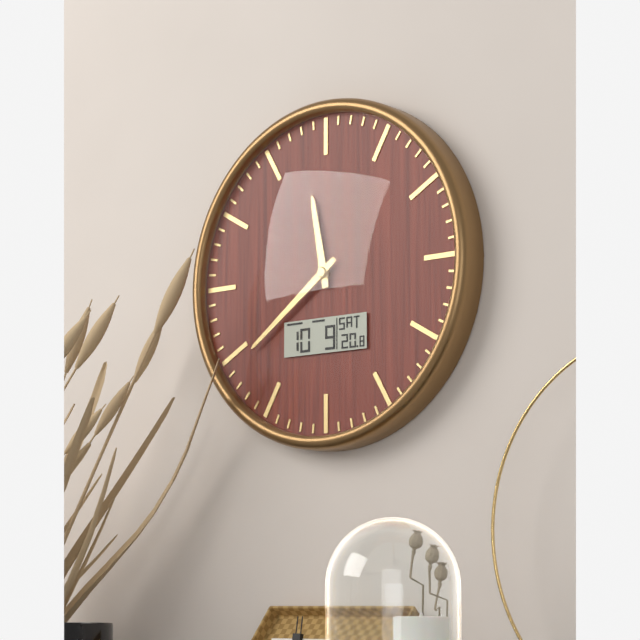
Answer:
11:39
